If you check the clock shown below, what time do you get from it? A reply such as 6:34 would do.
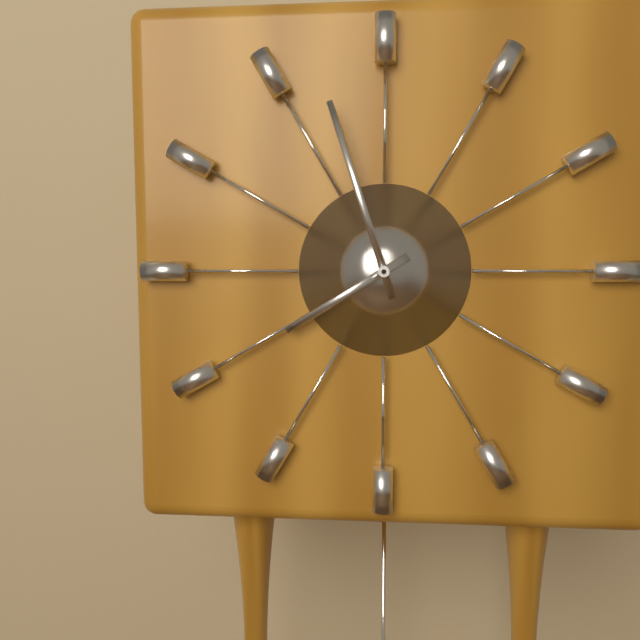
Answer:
7:57
